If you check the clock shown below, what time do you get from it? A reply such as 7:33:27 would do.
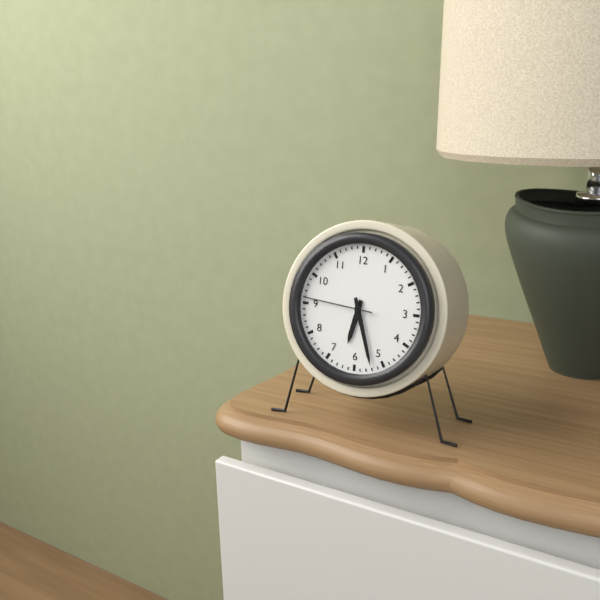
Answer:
6:27:46
